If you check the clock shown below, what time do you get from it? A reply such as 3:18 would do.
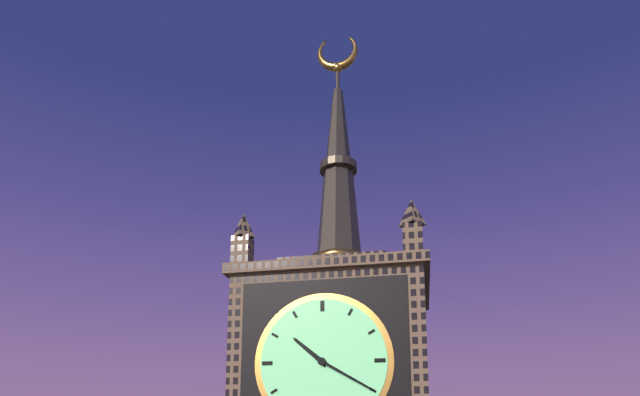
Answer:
10:20
